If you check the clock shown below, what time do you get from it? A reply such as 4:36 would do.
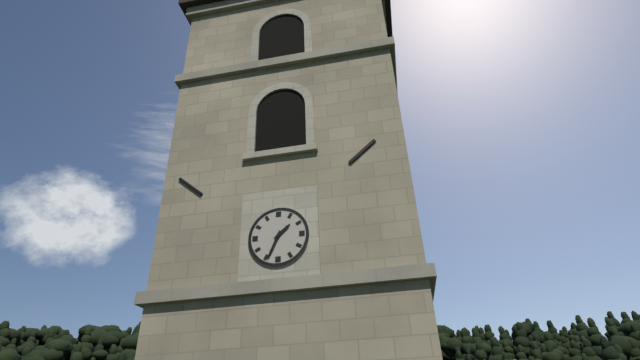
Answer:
1:34
